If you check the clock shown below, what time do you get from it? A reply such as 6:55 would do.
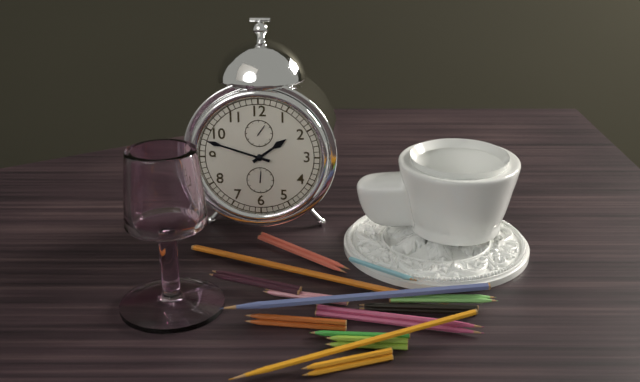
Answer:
1:48
